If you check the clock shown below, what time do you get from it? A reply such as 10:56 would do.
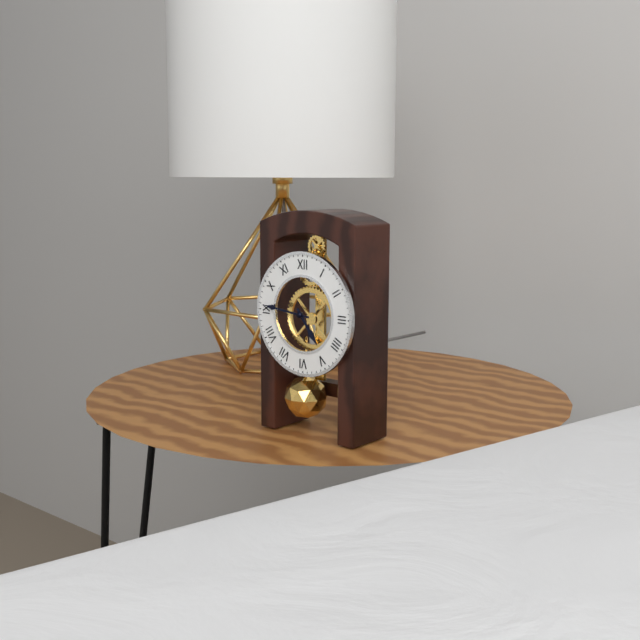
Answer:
4:46
